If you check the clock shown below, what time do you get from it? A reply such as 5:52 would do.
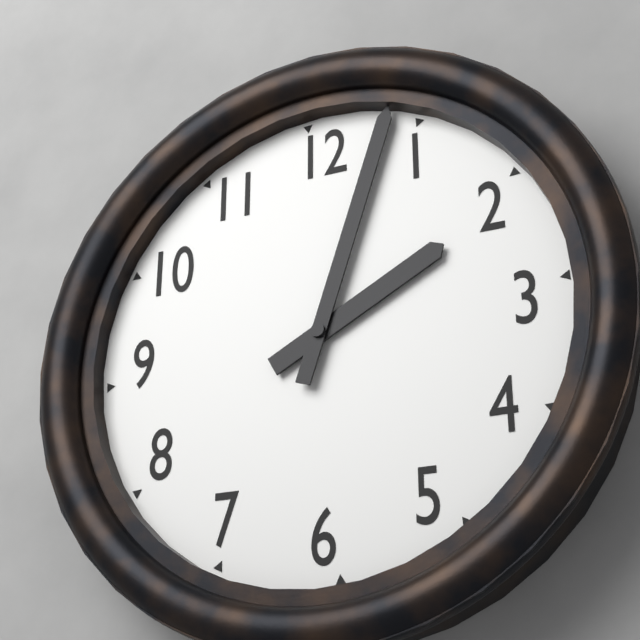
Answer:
2:03
